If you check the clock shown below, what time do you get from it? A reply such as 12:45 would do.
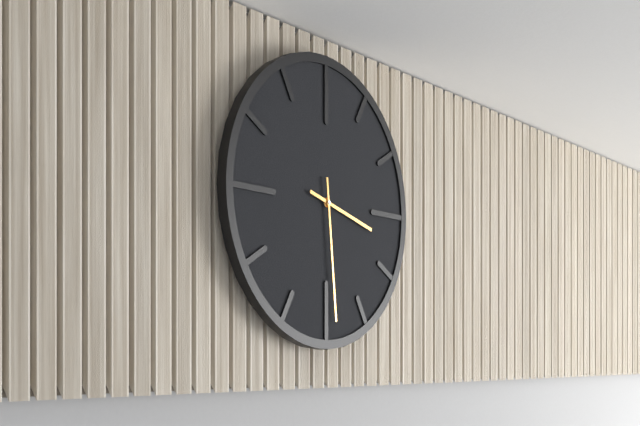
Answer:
3:29
